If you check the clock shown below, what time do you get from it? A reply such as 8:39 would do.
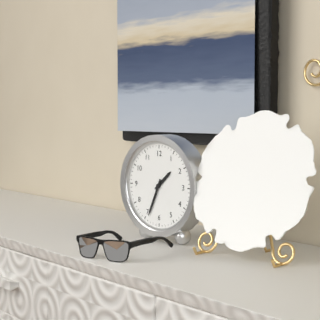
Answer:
1:34
